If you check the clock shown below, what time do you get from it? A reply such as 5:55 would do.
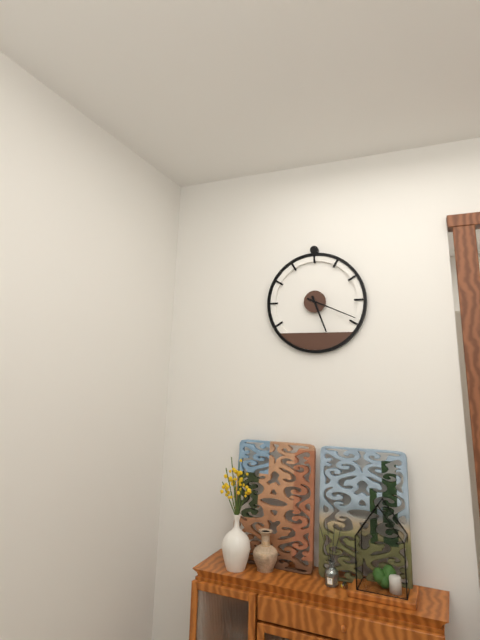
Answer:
5:19
